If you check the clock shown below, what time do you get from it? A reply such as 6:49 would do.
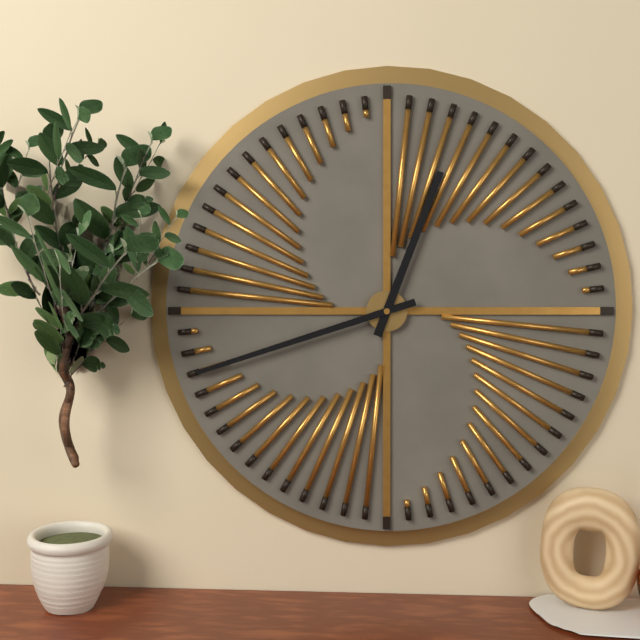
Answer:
12:42
